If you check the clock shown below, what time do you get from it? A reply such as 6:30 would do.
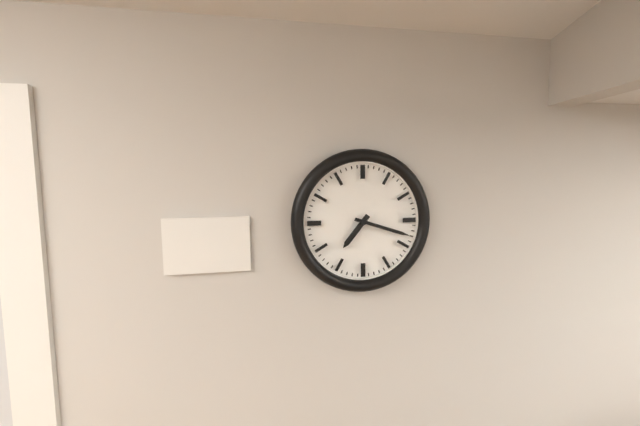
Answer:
7:18
